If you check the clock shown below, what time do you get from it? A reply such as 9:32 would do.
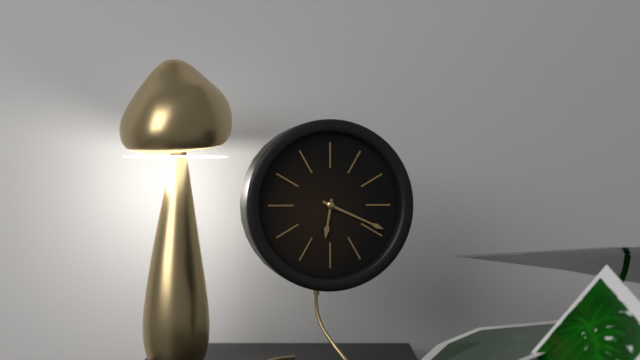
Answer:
6:19
